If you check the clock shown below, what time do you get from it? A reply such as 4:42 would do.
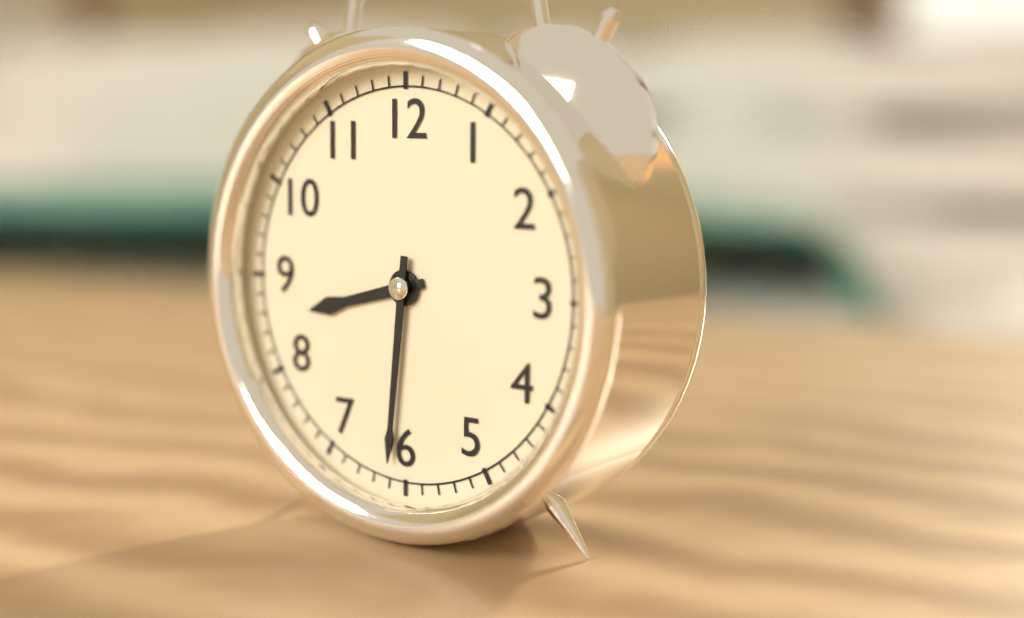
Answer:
8:31
